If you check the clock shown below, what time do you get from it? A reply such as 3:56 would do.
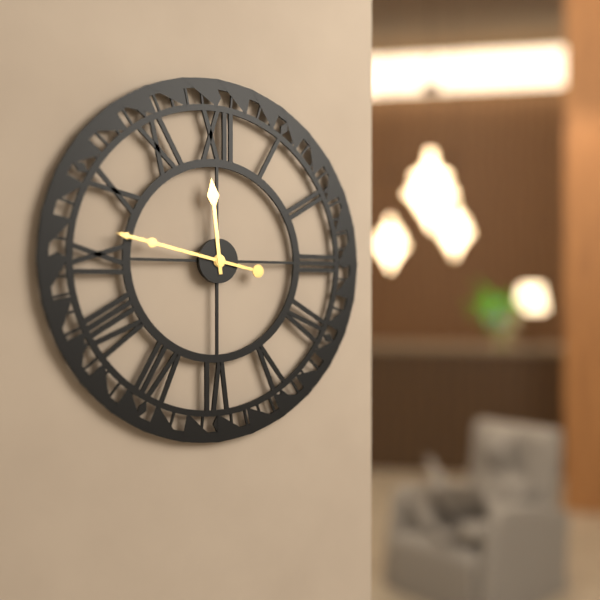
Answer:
11:47
